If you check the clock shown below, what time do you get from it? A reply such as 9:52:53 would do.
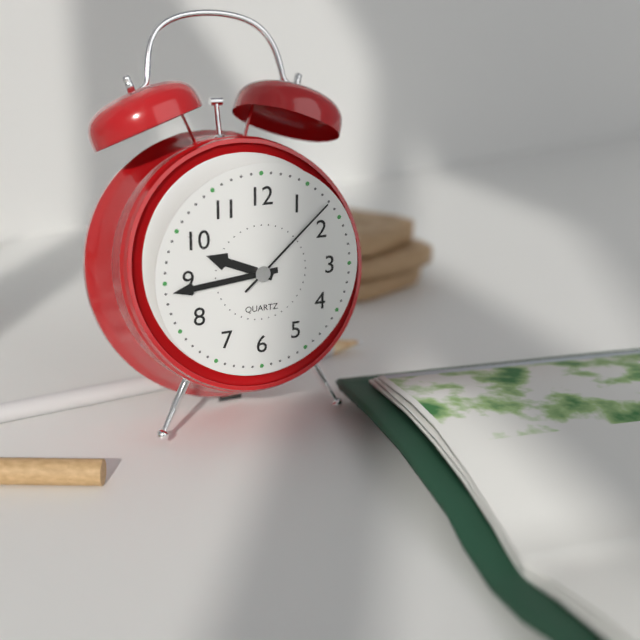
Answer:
9:44:08
